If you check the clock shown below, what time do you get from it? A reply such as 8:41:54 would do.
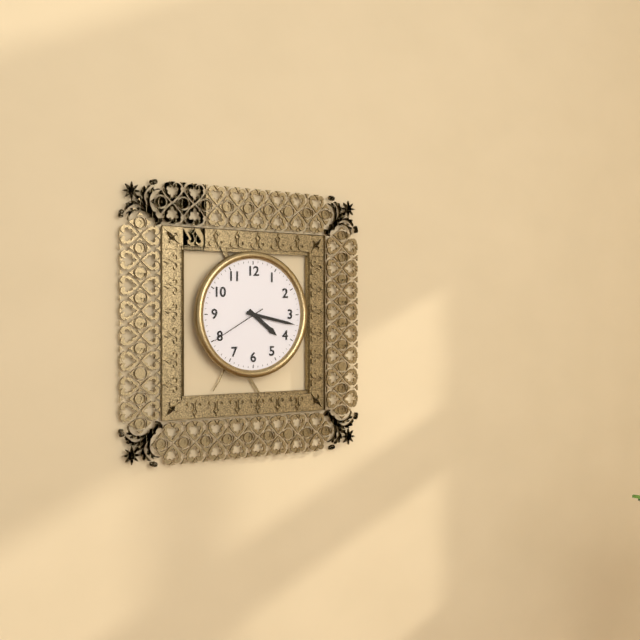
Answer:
4:17:40
